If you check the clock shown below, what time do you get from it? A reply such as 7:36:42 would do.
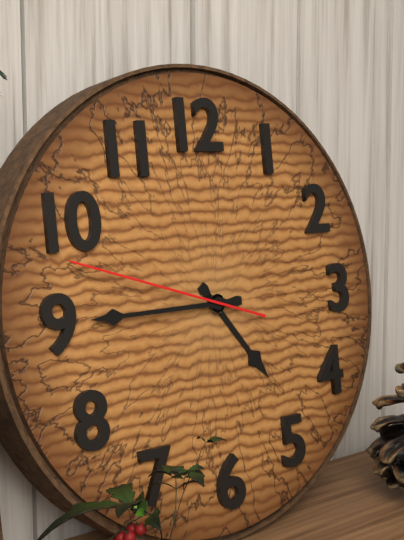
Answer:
4:45:48
